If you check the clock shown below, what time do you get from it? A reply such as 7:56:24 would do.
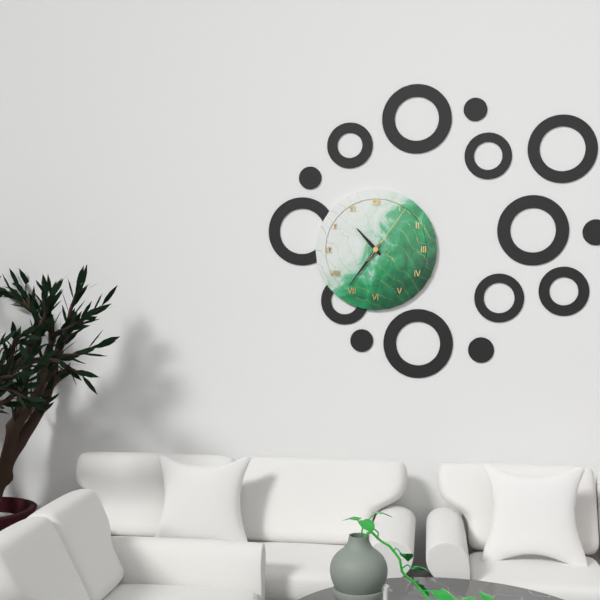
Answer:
10:36:06
